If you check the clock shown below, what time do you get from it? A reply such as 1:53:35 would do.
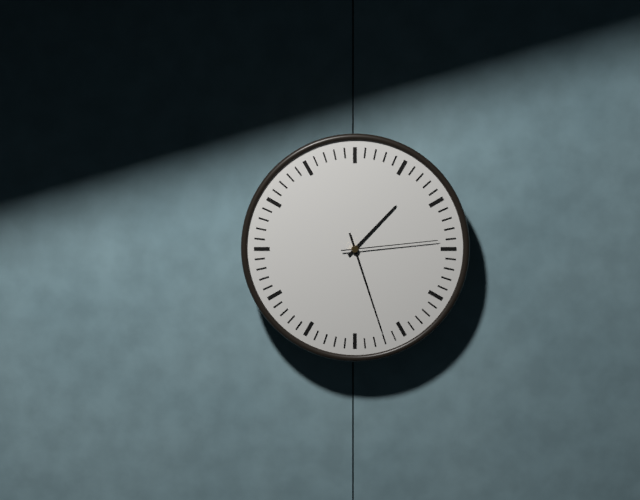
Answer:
1:27:14
